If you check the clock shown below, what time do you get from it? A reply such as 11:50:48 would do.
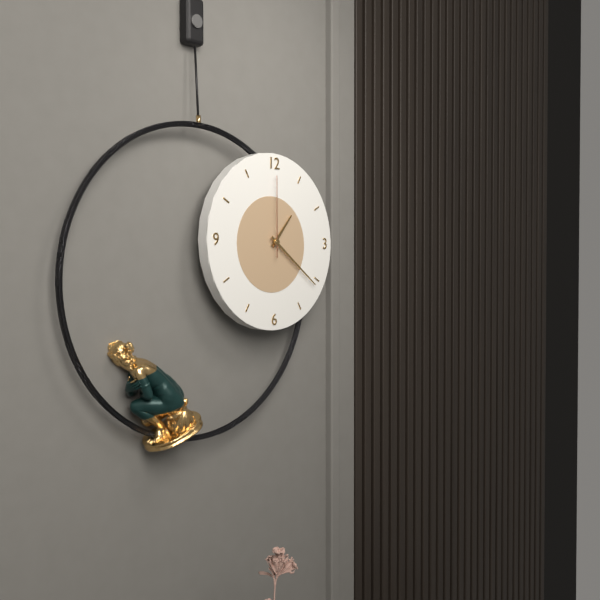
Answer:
1:21:00
